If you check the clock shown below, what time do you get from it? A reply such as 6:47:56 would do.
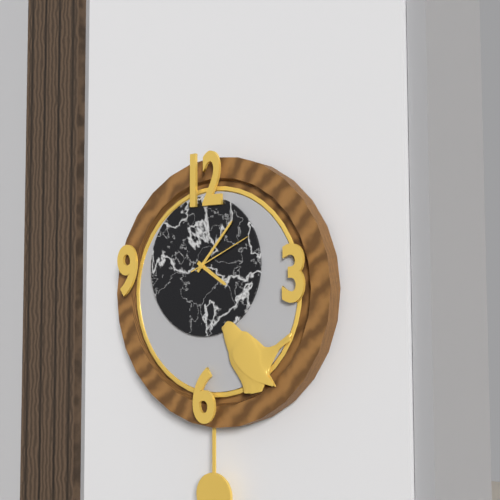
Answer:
4:07:11
